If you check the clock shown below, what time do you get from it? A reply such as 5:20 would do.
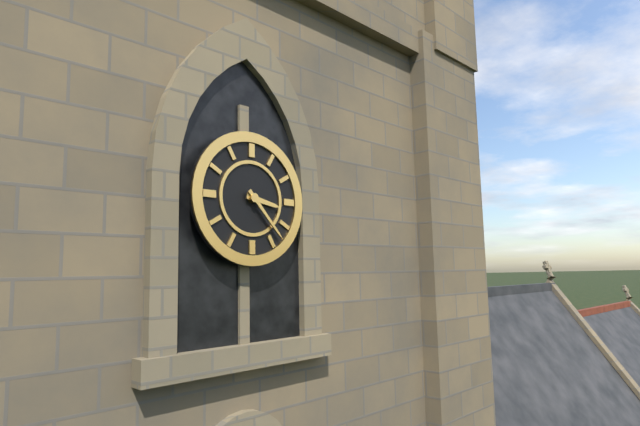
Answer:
3:23
